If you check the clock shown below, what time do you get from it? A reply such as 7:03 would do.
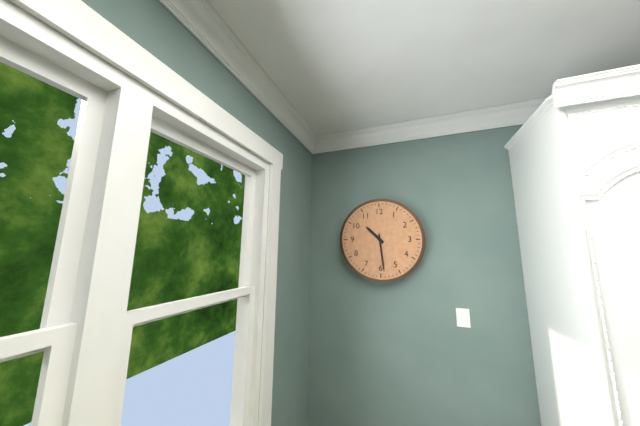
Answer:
10:29
